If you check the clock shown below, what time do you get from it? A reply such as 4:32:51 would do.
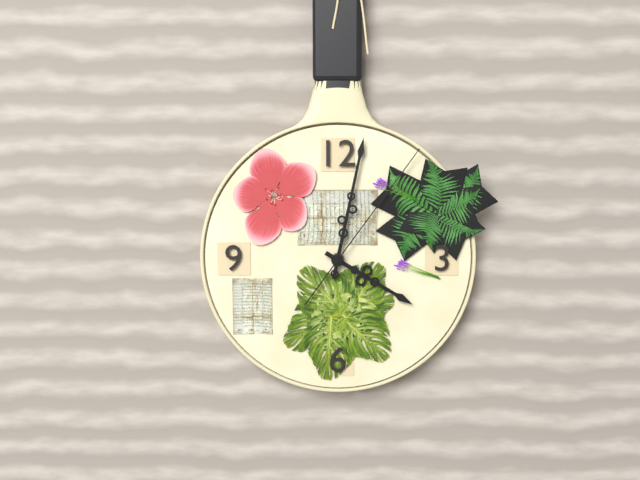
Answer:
4:02:06
